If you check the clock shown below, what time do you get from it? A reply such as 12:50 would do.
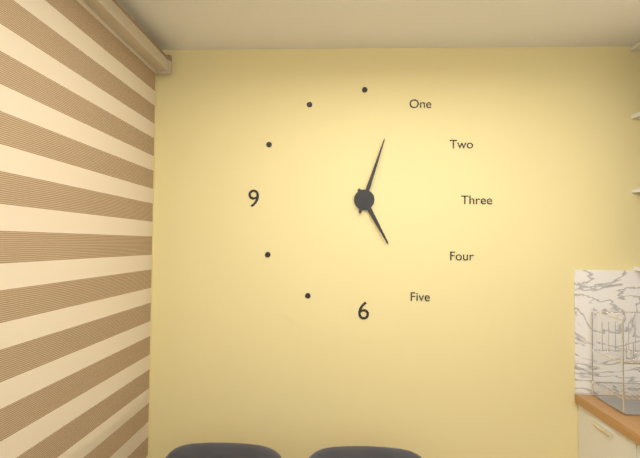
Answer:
5:03
